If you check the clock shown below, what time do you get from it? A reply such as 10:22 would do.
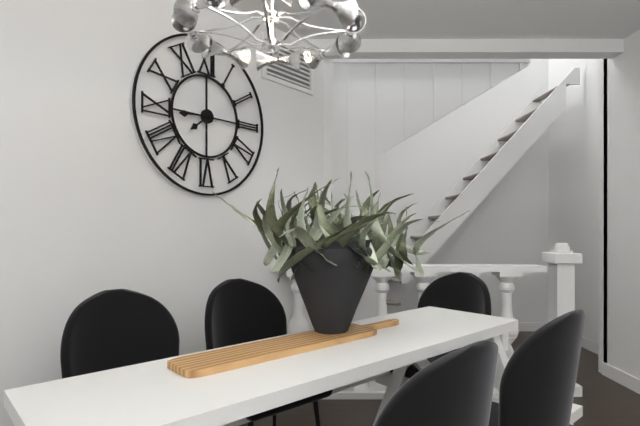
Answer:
7:44
